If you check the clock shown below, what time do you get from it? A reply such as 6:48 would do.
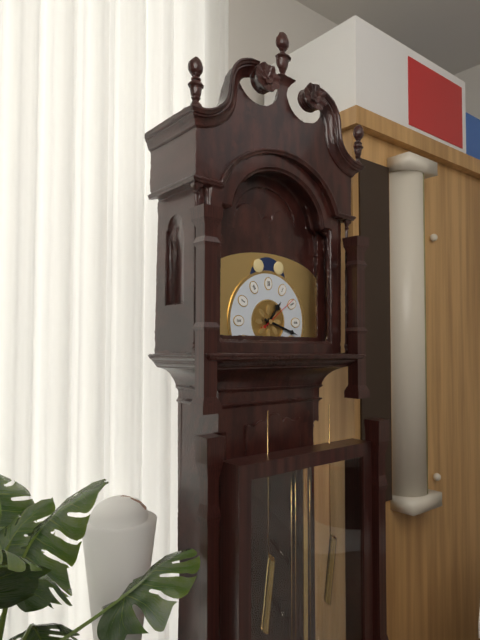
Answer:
1:18
